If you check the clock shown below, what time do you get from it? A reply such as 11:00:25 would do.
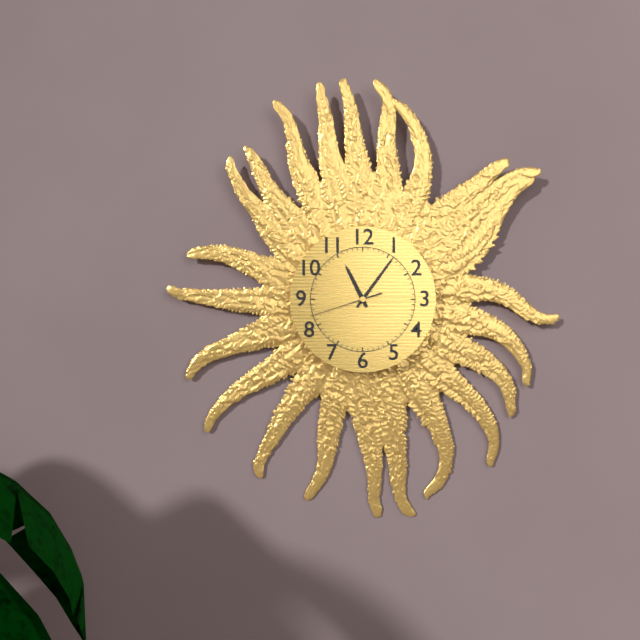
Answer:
11:06:42
